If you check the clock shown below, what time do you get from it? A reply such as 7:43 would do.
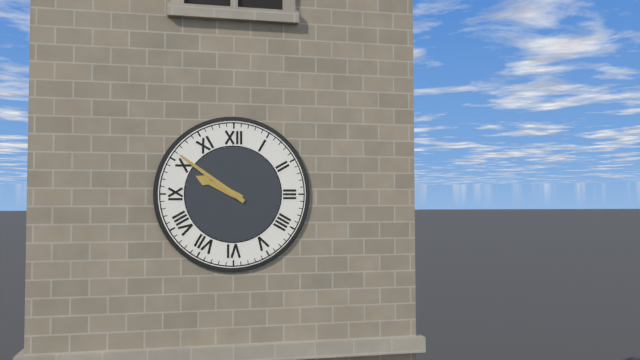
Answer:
9:51
